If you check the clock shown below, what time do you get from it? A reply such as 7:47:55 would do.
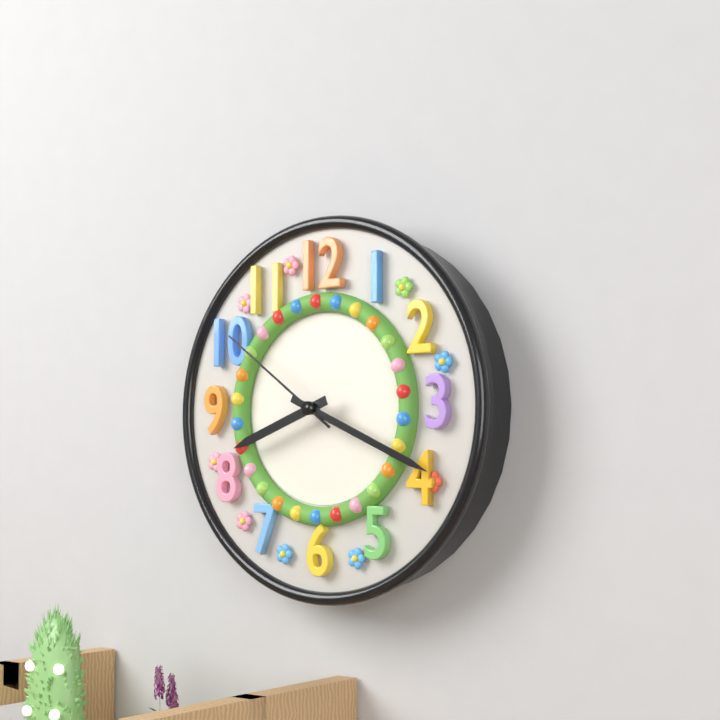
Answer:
8:19:51
